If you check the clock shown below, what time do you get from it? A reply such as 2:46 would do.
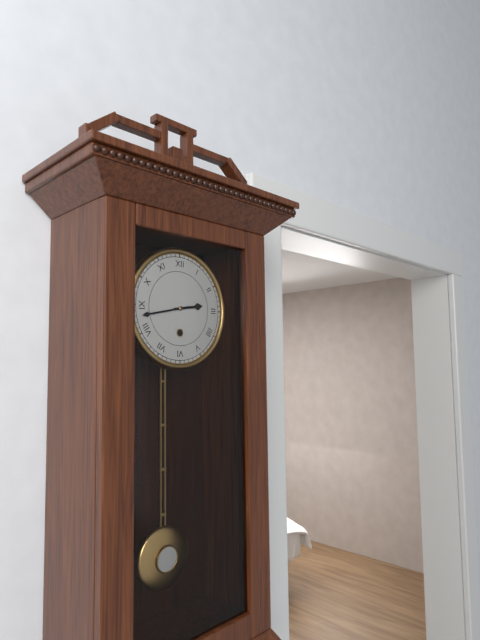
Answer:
2:43
